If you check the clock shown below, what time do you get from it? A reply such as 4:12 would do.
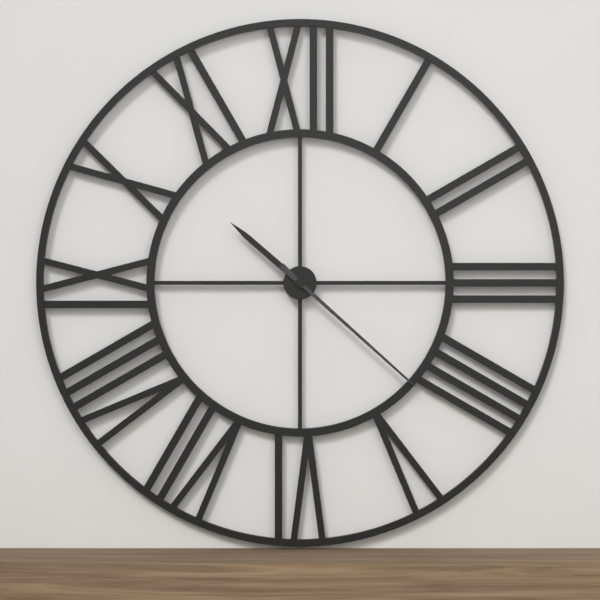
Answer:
10:22
